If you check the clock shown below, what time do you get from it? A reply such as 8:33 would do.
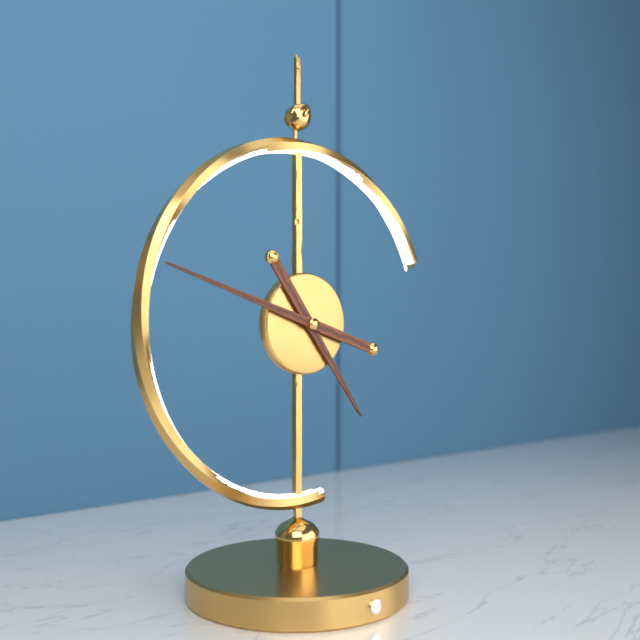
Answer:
4:48
